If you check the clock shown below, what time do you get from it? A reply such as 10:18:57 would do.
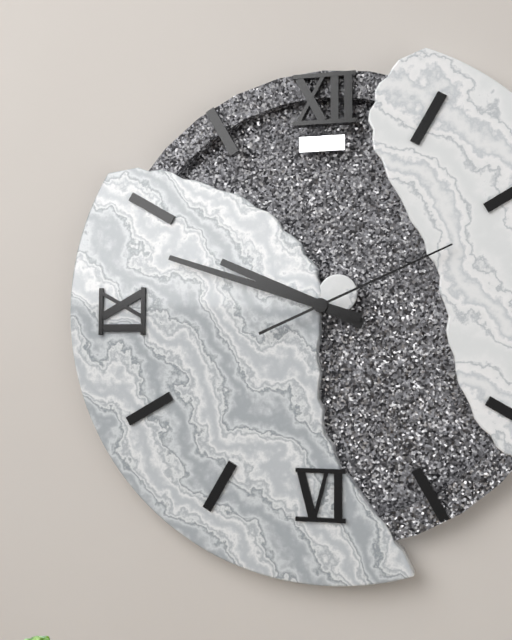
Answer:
9:48:11
